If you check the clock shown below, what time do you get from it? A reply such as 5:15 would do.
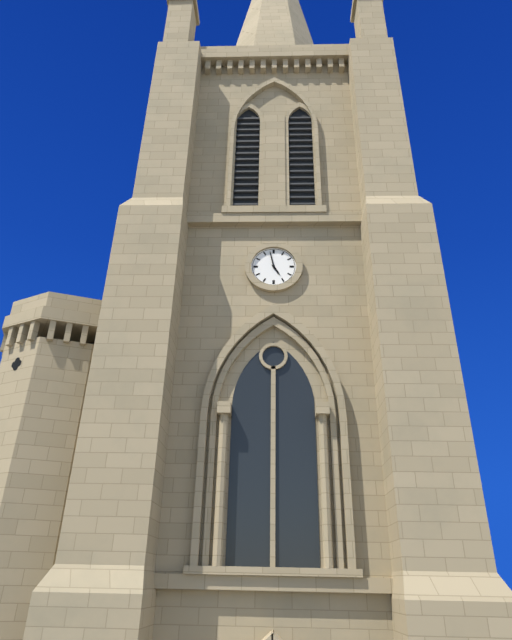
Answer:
4:58
